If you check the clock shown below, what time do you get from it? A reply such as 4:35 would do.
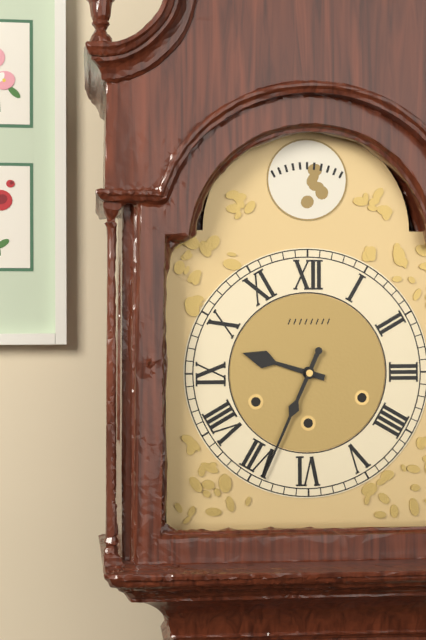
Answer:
9:34
